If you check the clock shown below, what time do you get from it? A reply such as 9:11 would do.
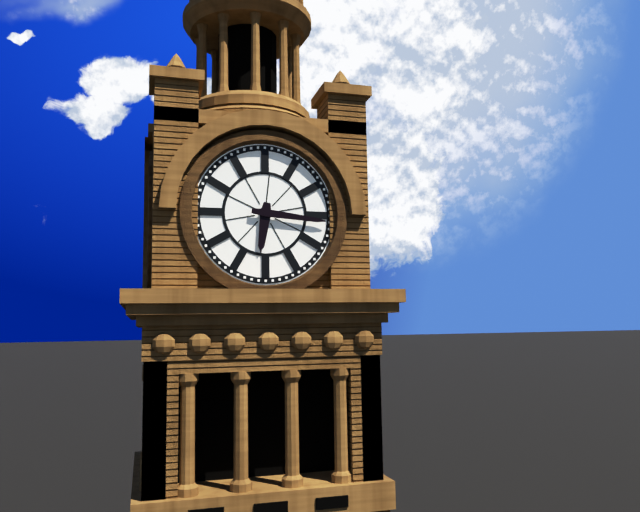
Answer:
6:16
